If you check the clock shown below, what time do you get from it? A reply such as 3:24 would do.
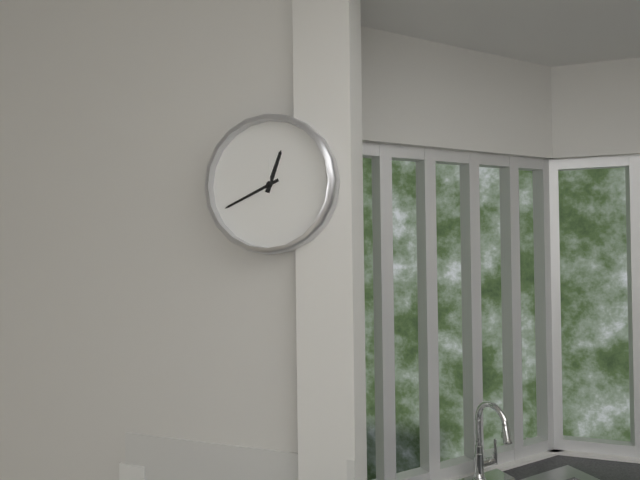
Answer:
12:41
